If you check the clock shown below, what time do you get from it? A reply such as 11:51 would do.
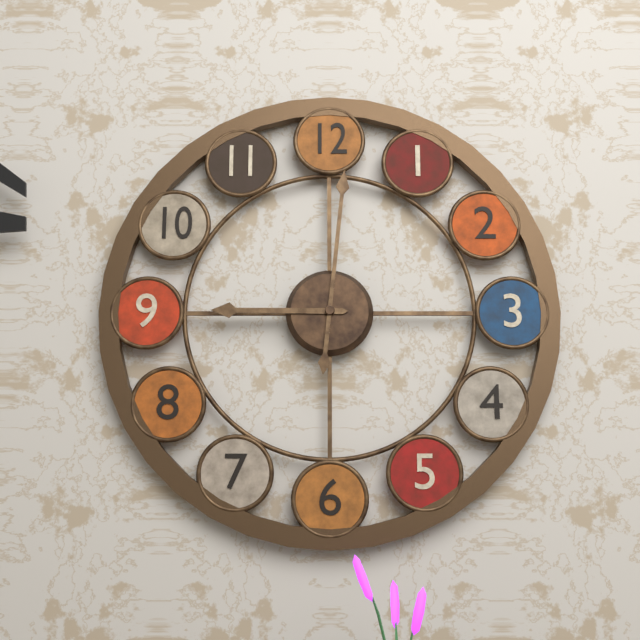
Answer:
9:01
